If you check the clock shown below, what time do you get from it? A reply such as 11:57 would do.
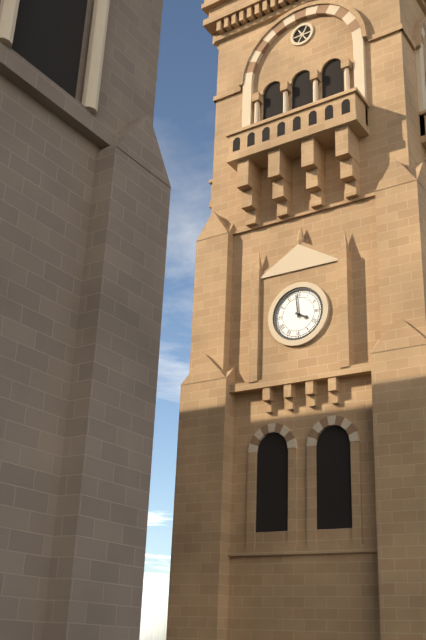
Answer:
3:59
